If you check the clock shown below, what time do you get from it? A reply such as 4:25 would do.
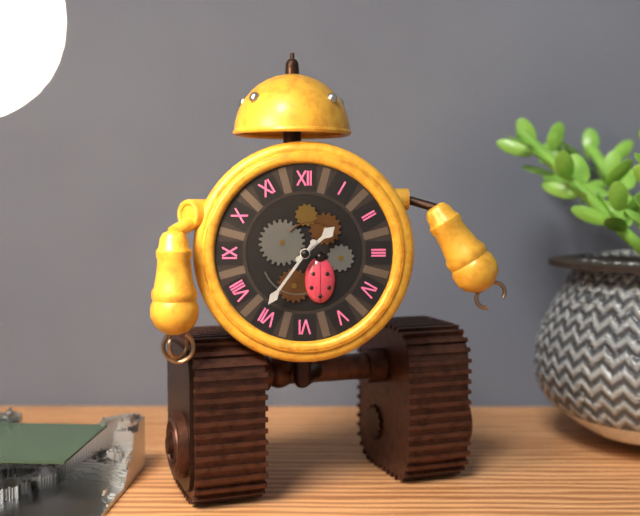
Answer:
1:36
